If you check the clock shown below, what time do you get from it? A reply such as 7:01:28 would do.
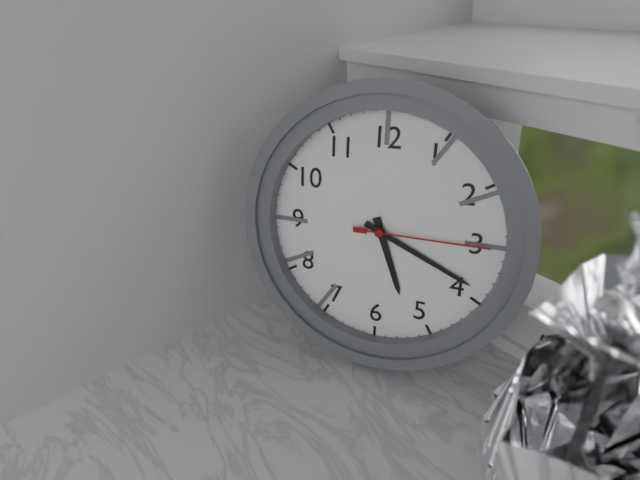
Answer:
5:19:15
